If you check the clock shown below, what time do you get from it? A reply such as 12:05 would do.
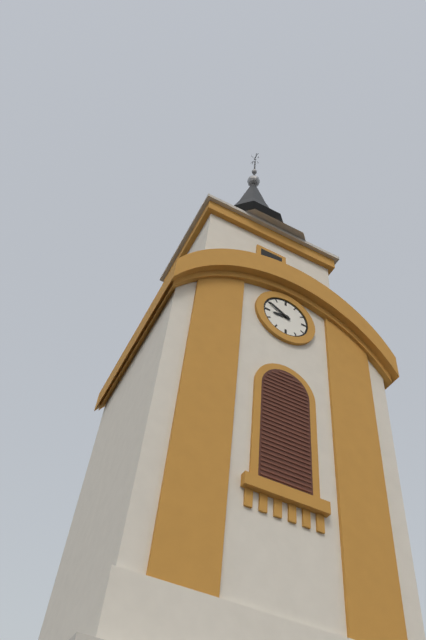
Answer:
8:50
